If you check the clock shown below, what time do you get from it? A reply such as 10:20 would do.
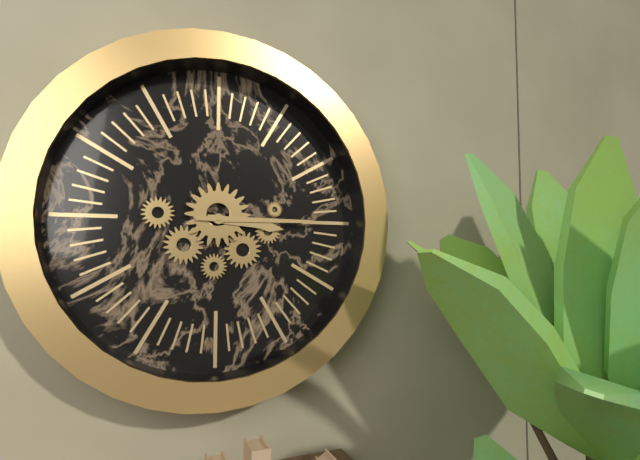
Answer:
3:15
